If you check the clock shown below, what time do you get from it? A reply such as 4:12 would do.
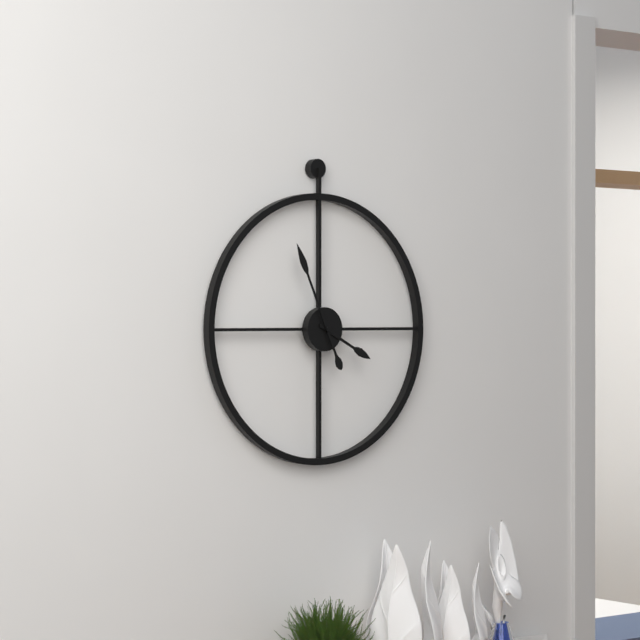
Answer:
3:56
